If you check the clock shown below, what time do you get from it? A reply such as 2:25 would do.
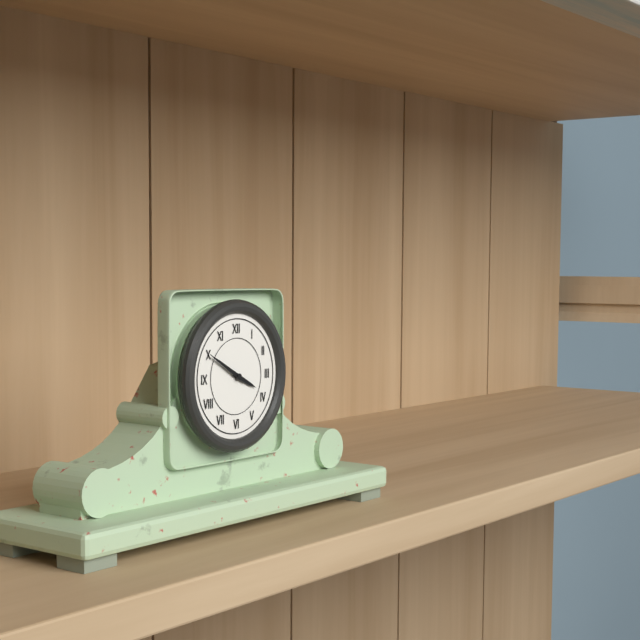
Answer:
3:50
